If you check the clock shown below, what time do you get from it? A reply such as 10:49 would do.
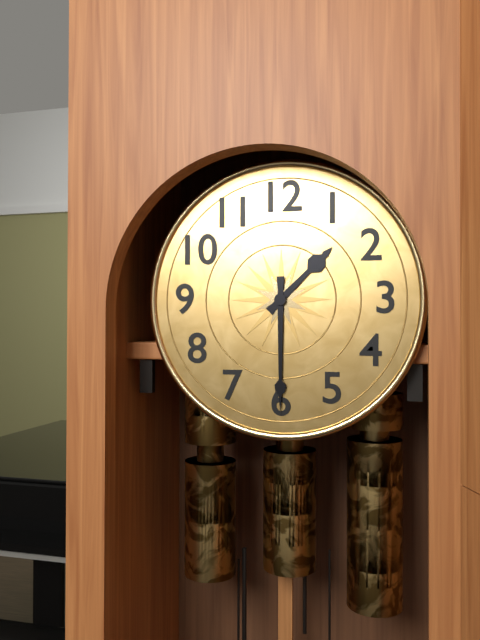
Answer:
1:30
